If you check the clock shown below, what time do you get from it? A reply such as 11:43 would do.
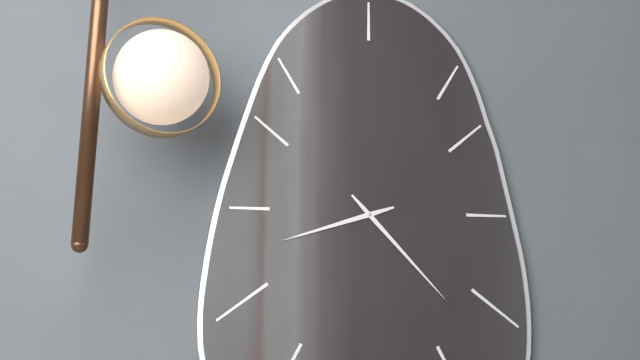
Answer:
8:23
